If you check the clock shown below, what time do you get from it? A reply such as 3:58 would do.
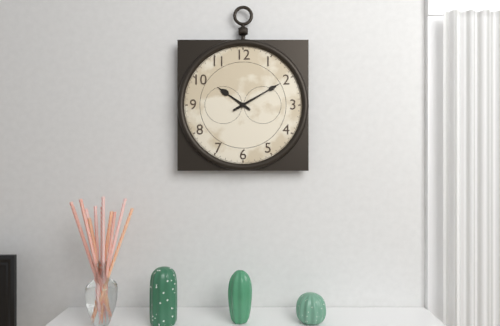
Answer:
10:10
